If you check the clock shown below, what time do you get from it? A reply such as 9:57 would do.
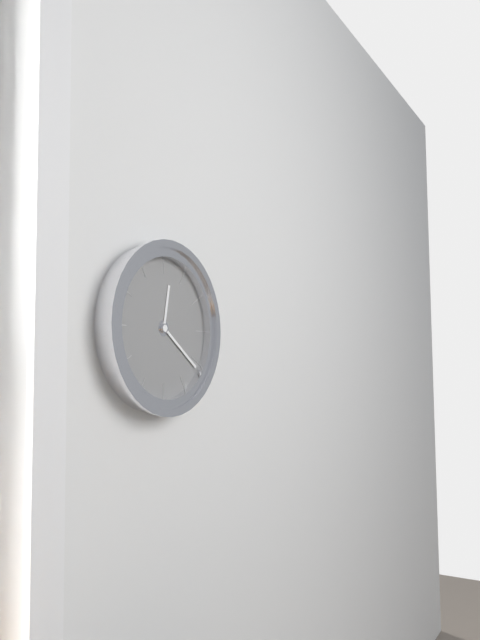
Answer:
12:21
